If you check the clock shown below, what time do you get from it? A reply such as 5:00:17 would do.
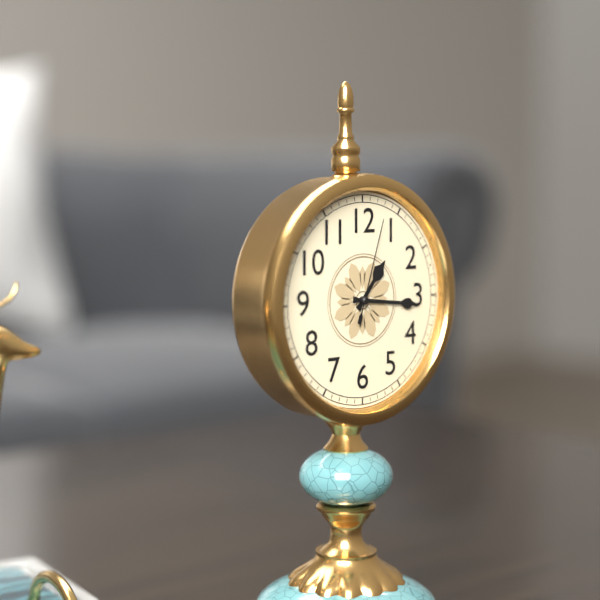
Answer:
1:16:03
